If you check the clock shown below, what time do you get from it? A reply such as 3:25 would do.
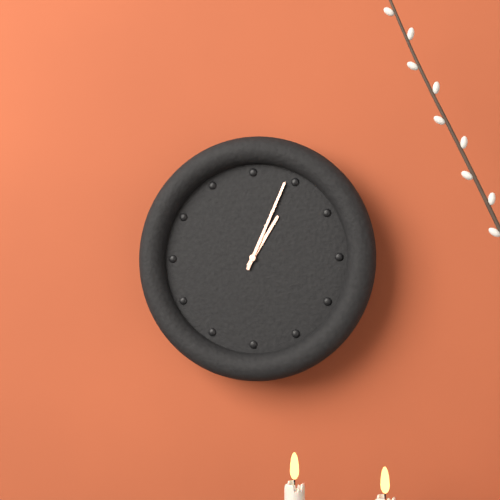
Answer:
1:04
